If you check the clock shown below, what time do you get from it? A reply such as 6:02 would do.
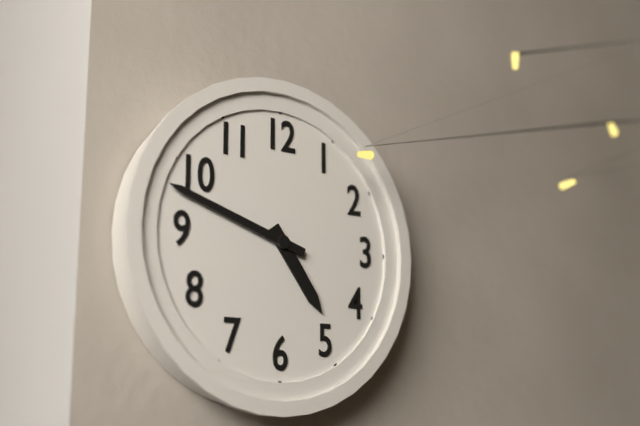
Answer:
4:48
